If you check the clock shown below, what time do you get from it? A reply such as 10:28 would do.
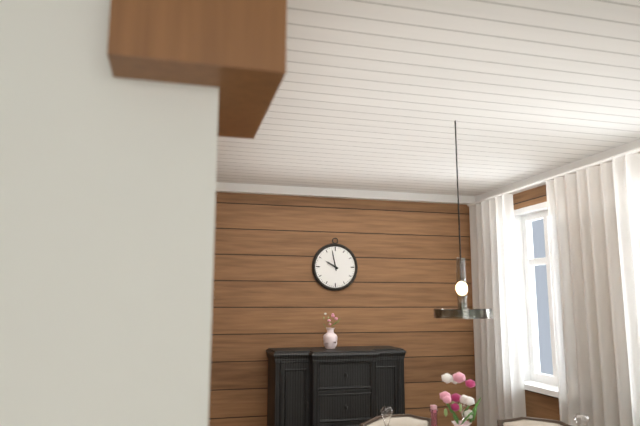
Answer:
9:58
